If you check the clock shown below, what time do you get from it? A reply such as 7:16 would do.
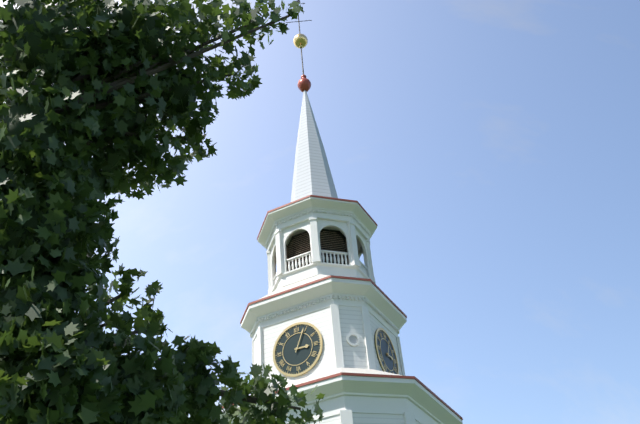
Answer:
3:04
